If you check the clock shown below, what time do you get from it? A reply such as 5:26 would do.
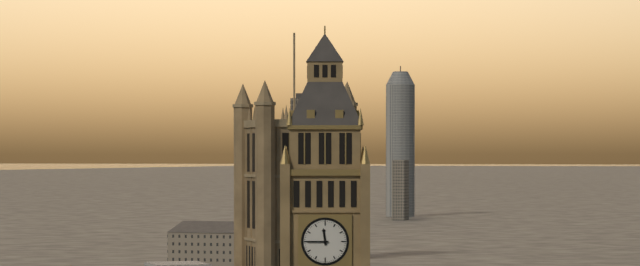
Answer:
11:45
